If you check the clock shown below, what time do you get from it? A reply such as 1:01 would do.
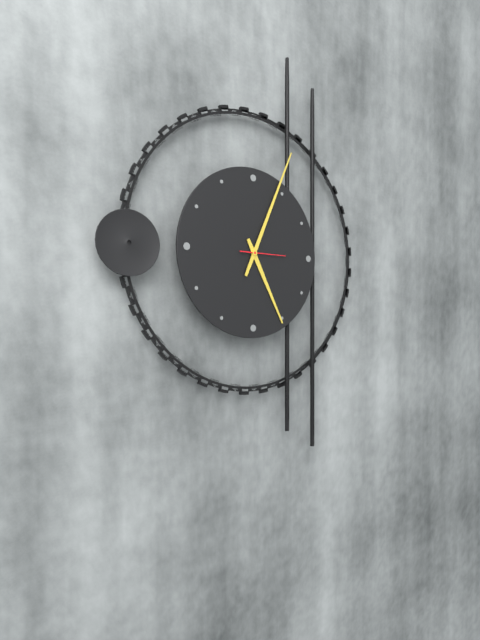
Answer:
5:04
